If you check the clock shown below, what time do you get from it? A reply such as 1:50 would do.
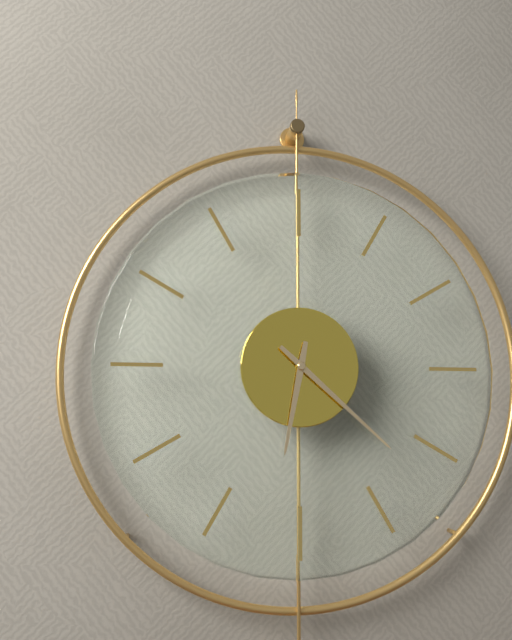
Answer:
6:22
